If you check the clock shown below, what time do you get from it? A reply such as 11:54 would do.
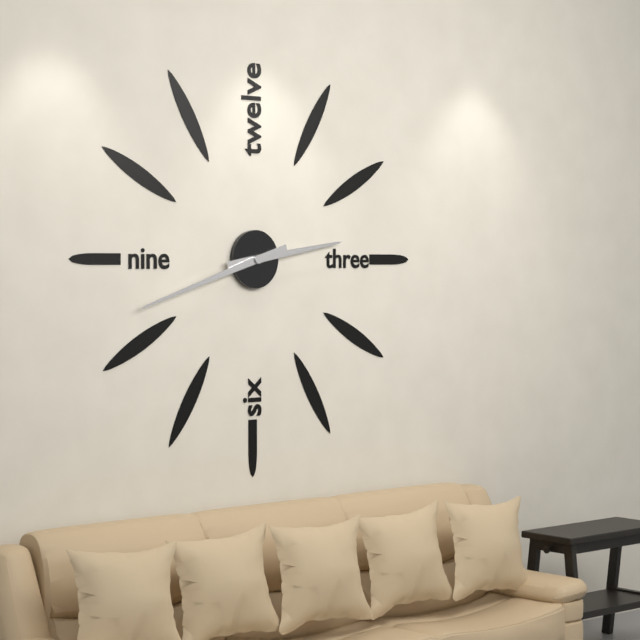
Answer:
2:42
